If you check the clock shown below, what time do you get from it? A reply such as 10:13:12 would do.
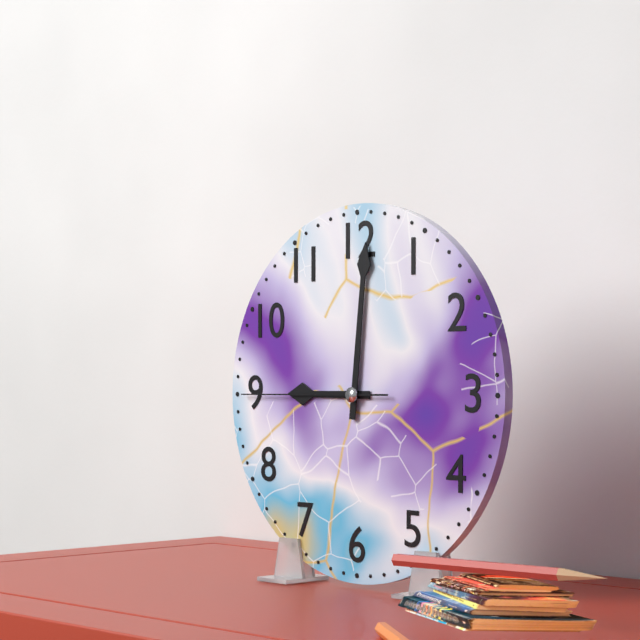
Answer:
9:01:45
